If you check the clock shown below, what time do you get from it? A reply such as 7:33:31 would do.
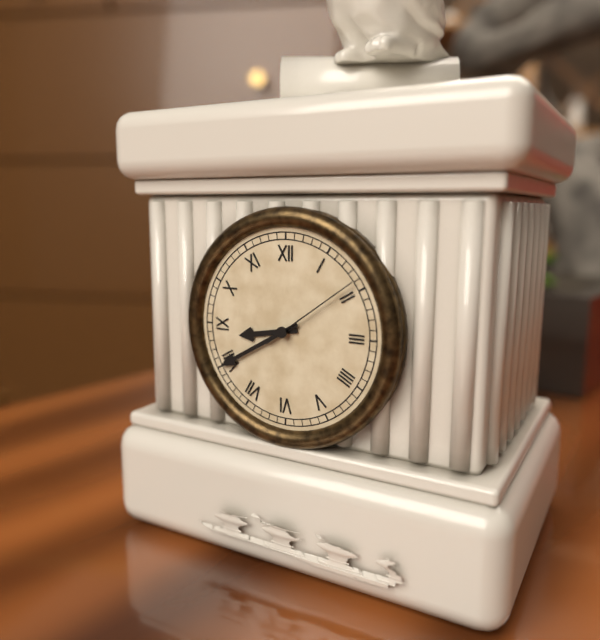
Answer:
8:40:09
